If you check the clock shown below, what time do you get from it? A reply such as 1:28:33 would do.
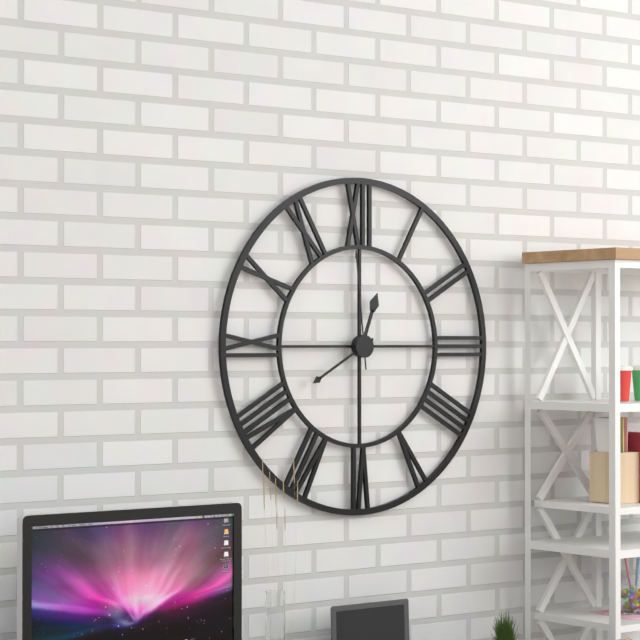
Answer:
12:40:59
